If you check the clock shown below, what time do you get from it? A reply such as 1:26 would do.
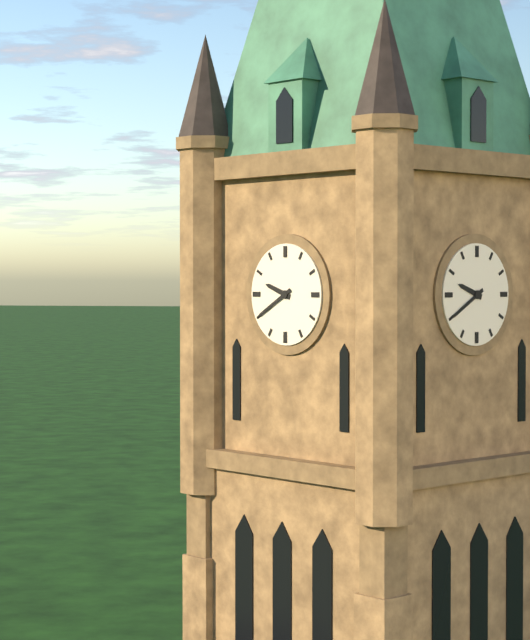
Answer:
9:40
